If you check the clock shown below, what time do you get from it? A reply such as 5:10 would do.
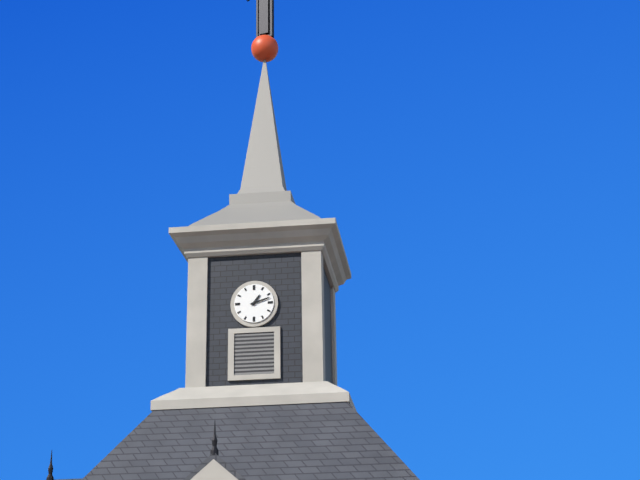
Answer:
1:12
